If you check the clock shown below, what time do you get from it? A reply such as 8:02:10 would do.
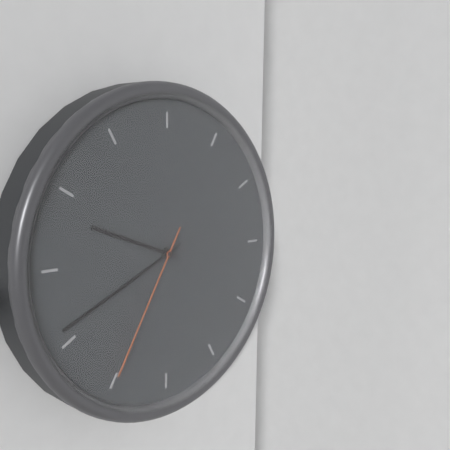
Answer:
9:41:35
